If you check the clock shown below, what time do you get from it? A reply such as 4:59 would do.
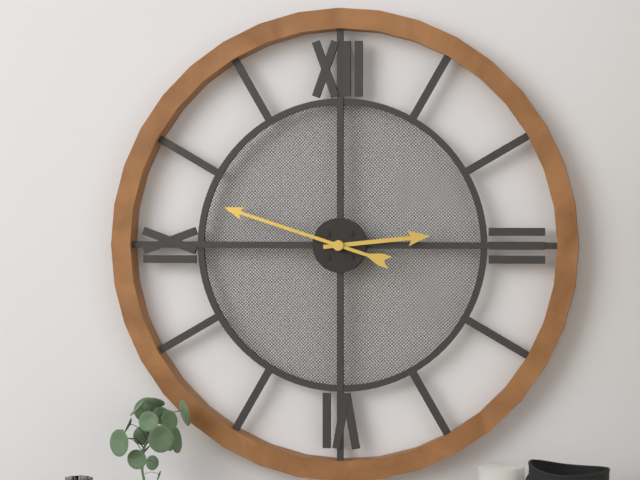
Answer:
2:48
